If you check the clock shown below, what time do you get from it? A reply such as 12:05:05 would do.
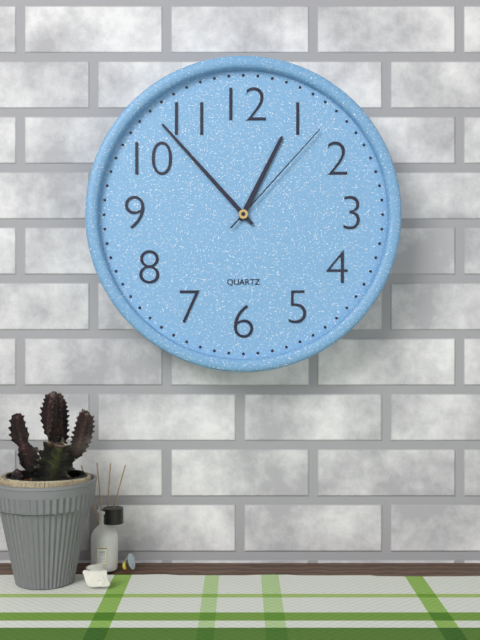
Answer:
12:53:07
